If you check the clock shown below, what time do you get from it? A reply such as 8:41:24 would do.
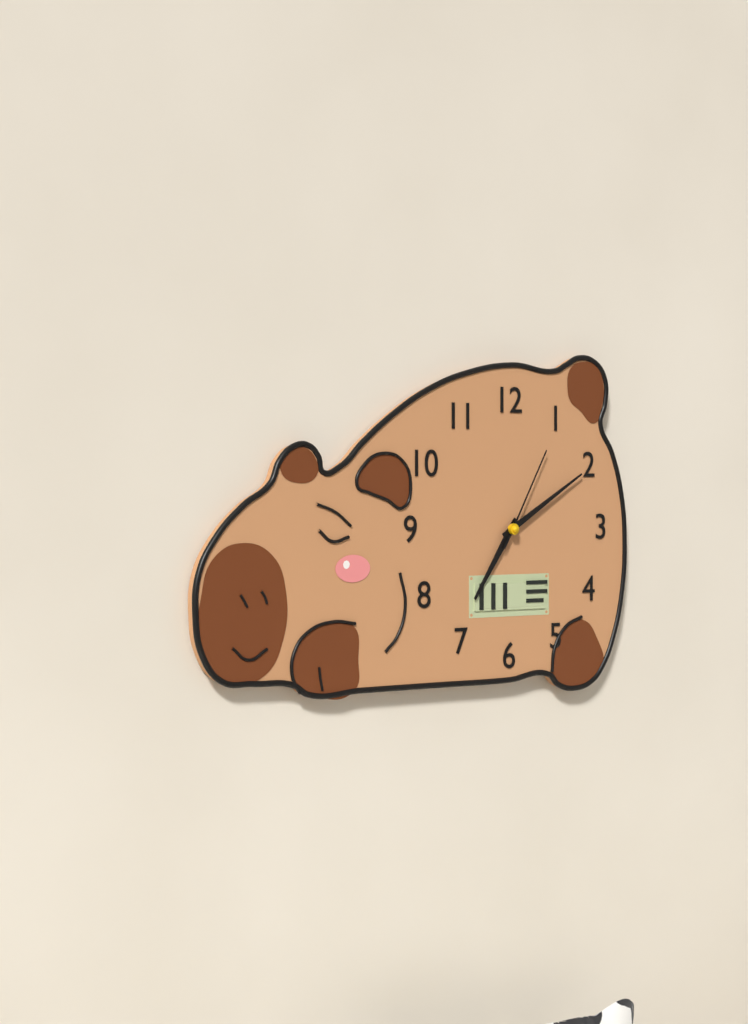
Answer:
7:10:05
